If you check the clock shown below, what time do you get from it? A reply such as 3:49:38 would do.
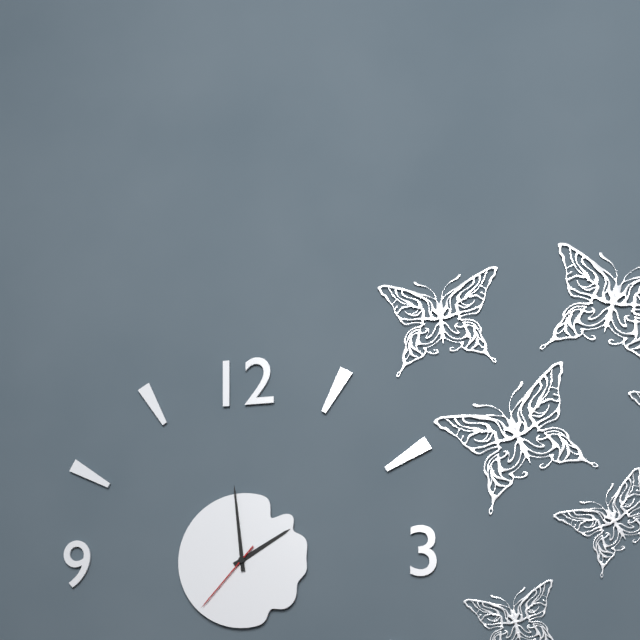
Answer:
1:59:37
